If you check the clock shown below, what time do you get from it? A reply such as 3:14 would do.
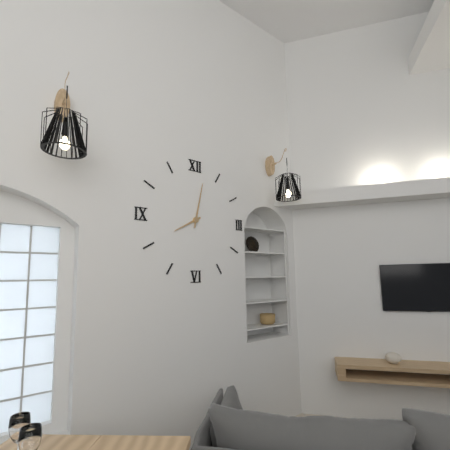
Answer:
8:02
